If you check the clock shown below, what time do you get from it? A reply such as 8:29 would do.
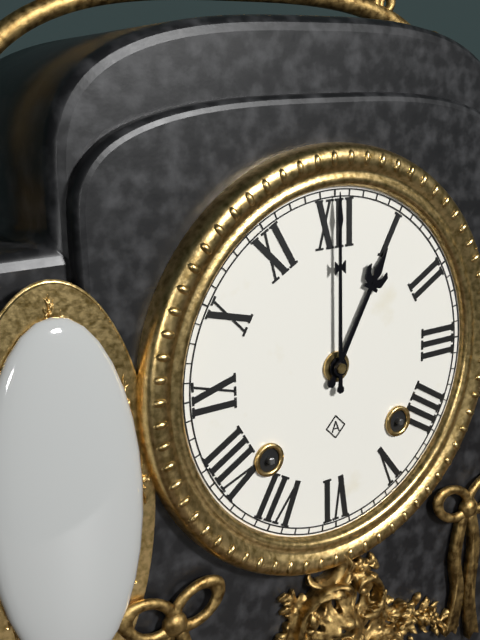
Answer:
1:00
